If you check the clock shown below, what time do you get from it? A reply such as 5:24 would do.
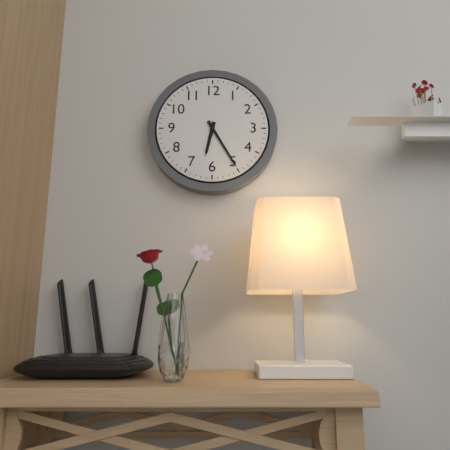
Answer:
6:25
